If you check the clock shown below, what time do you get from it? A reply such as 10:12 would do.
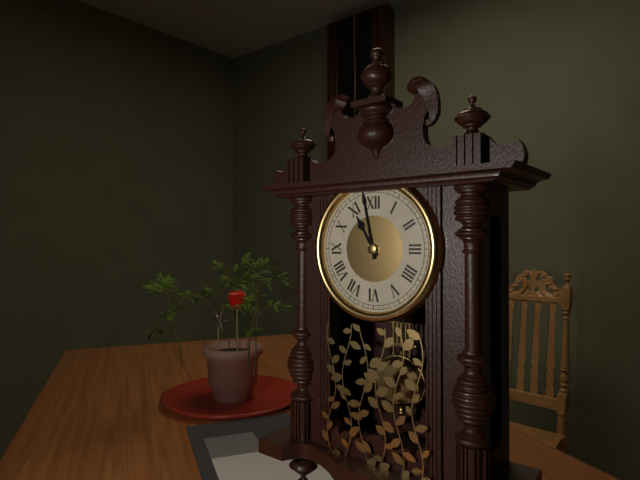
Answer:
10:58
